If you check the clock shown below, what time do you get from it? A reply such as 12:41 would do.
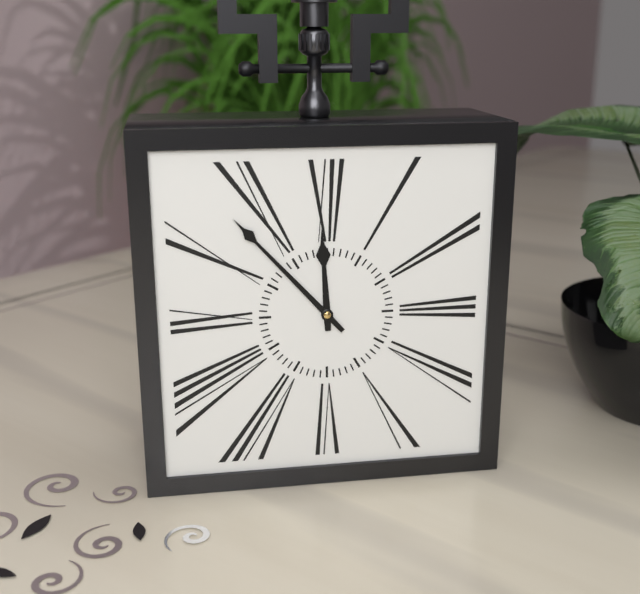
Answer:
11:53
